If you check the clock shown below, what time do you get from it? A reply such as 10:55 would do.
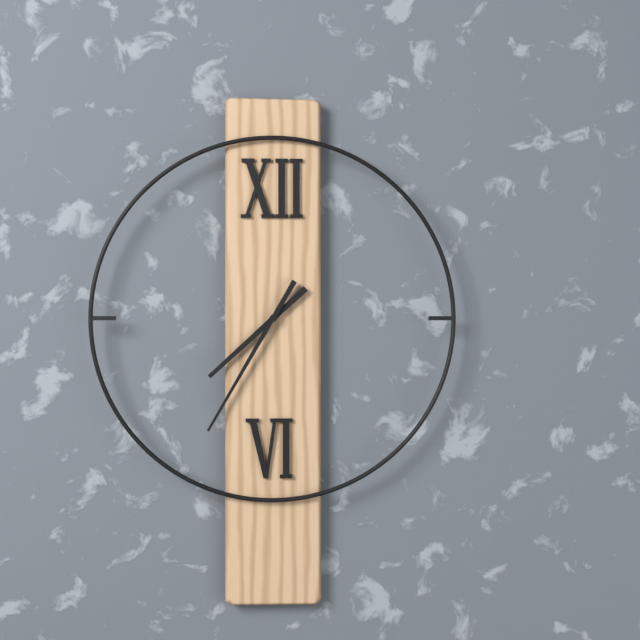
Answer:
7:35
